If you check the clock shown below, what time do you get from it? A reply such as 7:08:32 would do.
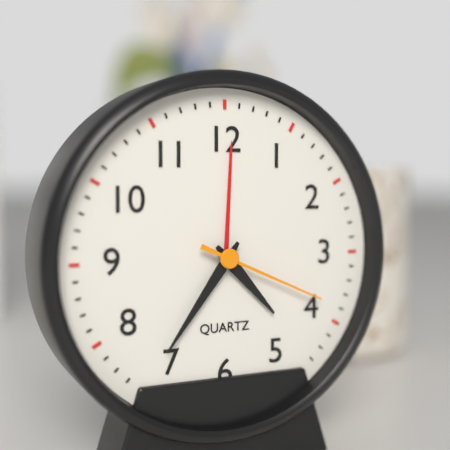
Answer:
4:36:19
